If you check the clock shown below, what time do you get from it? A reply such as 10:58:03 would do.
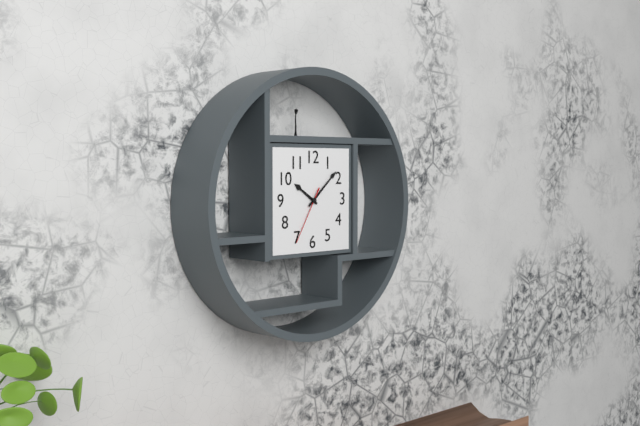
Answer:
10:08:35
